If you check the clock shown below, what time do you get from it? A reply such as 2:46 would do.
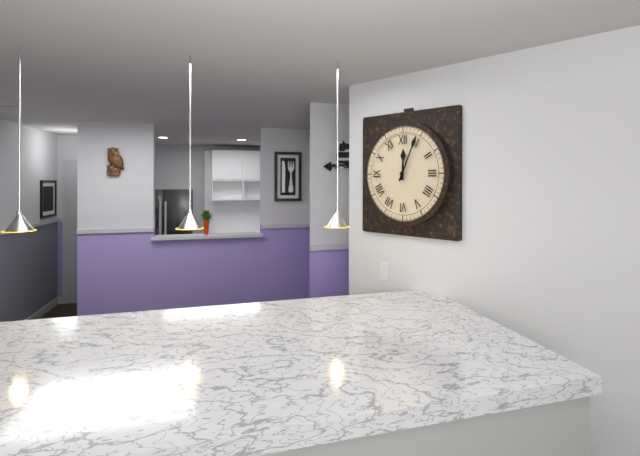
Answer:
12:04
